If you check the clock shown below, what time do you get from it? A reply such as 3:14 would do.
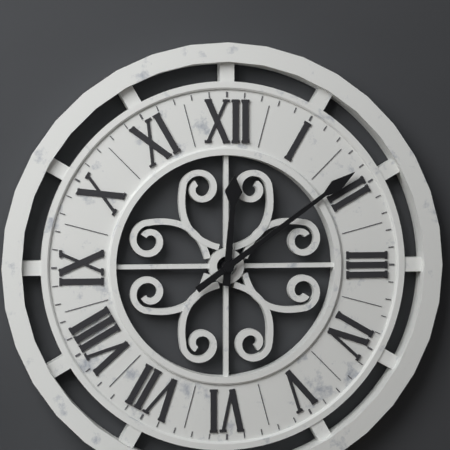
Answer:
12:09
